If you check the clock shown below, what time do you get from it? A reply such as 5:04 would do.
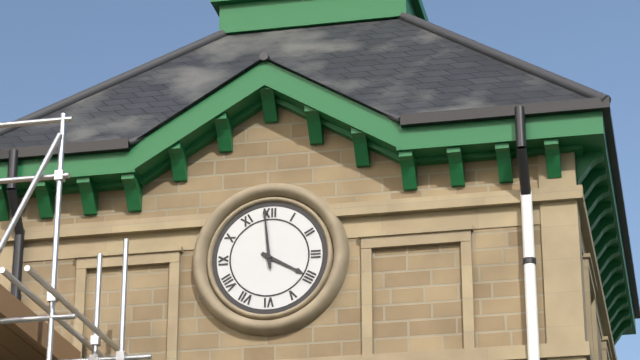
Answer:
3:59
